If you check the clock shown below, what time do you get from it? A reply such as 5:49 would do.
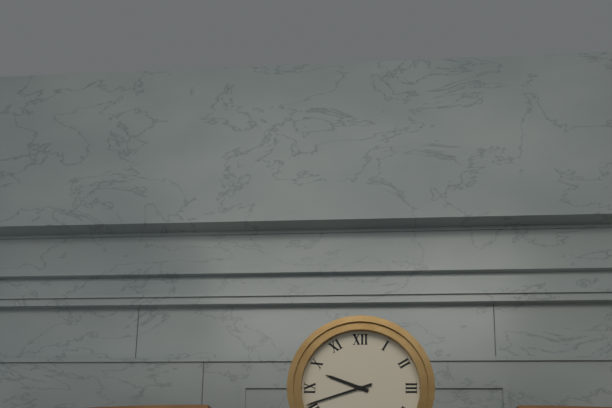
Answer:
9:42
